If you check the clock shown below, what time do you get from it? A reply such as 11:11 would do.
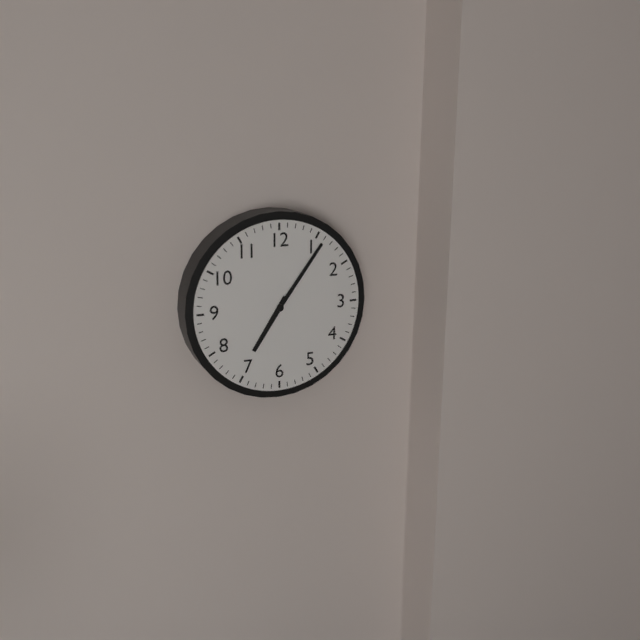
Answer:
7:06
